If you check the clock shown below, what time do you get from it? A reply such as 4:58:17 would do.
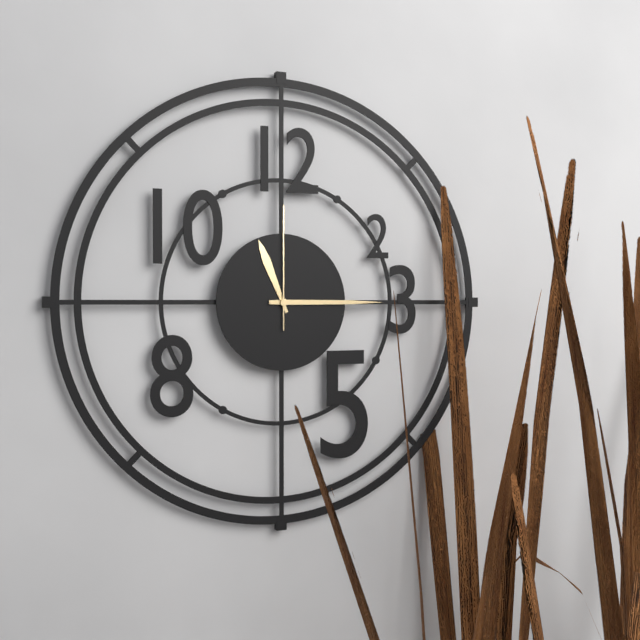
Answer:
11:15:00
